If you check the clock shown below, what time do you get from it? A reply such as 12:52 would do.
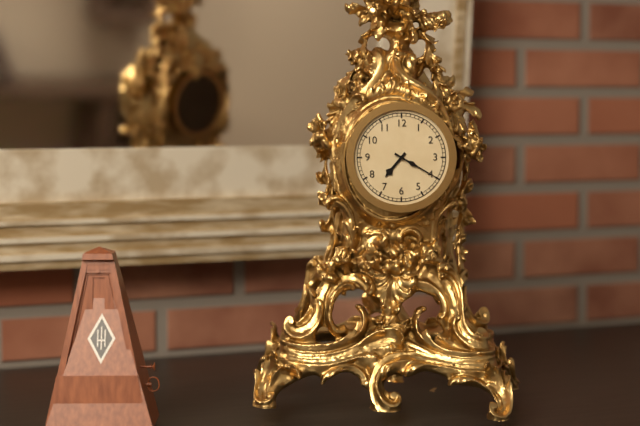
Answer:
7:20
